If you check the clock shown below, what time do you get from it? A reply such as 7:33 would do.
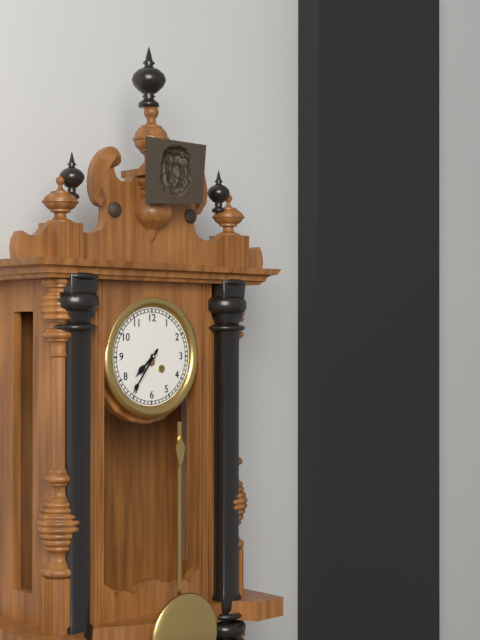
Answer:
7:36
